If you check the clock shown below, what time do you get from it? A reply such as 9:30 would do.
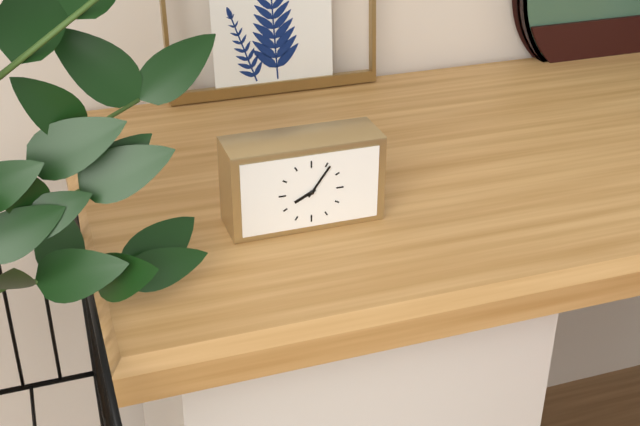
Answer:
8:06
